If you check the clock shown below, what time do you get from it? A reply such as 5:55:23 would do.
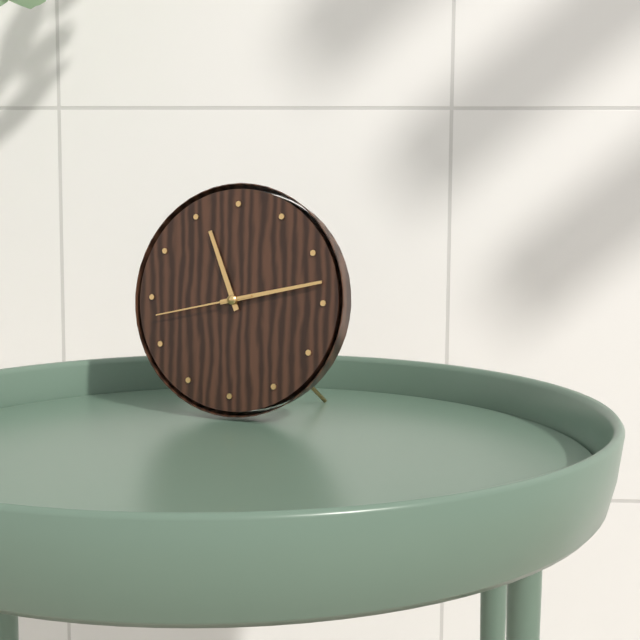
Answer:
11:13:43
